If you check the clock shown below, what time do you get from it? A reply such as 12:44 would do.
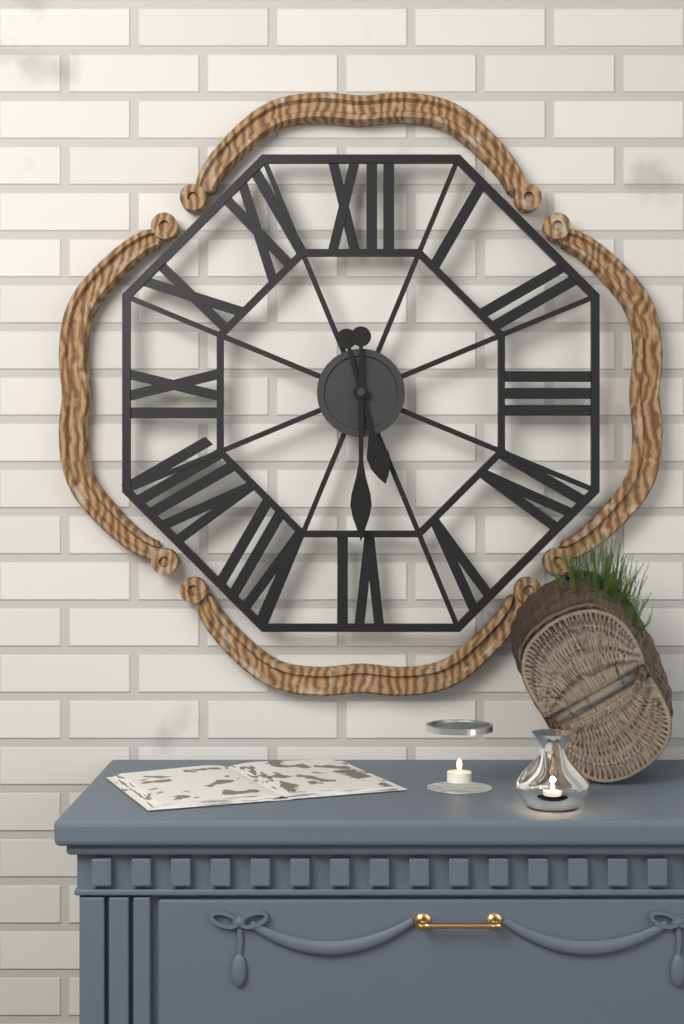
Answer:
5:30
